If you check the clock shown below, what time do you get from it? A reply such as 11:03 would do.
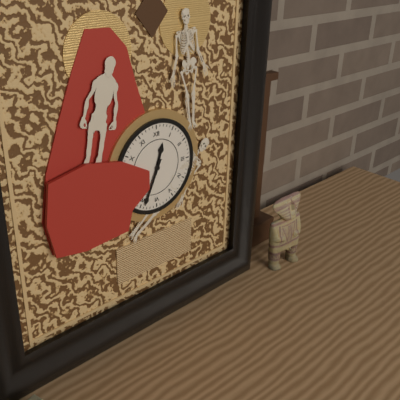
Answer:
12:34
